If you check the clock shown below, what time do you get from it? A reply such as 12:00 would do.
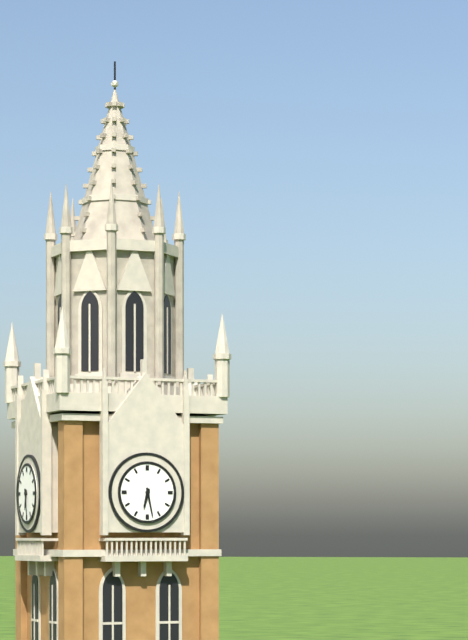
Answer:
6:28
